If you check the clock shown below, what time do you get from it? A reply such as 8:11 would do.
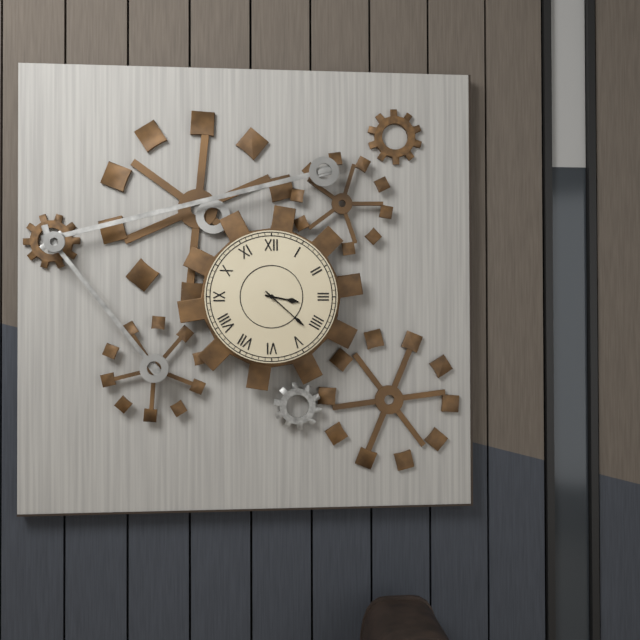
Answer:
3:22
